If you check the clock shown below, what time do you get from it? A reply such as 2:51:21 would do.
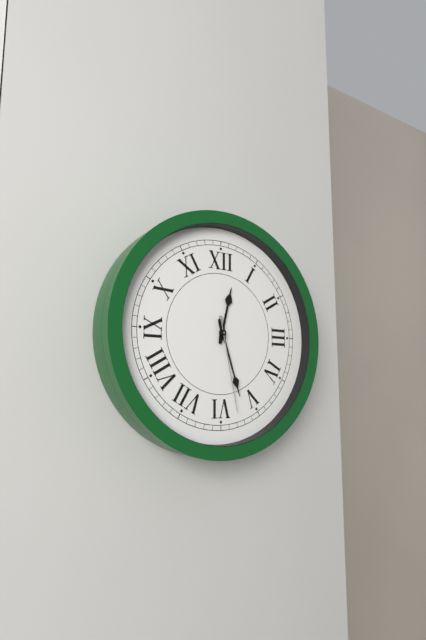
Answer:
12:27:28
